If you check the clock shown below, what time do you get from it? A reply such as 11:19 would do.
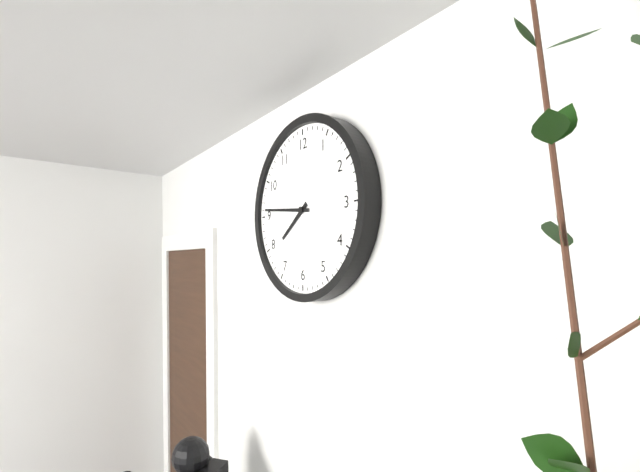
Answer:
7:46
